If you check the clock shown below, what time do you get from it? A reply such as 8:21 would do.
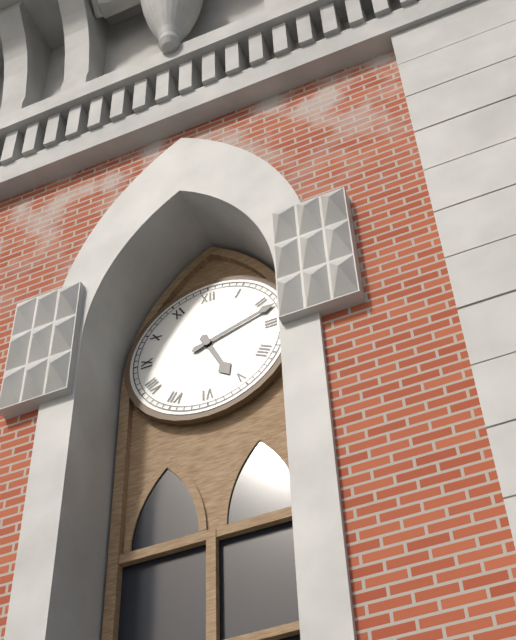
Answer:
5:12
